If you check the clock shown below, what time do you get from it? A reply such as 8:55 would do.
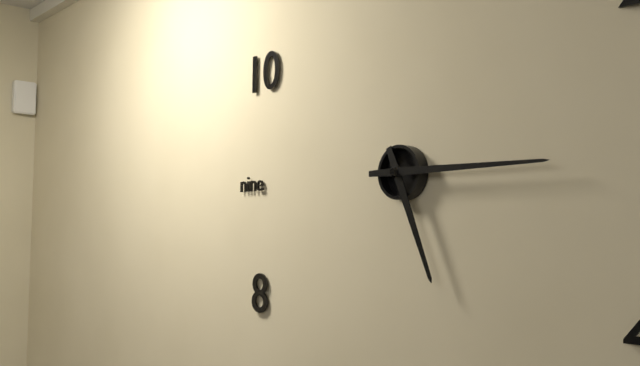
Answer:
5:15
